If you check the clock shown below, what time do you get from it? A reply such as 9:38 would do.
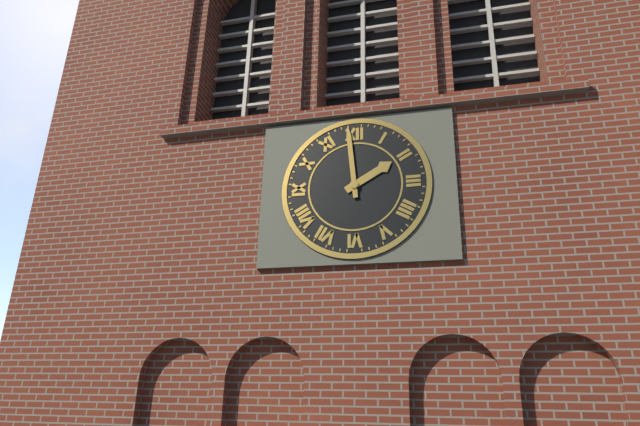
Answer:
1:59
